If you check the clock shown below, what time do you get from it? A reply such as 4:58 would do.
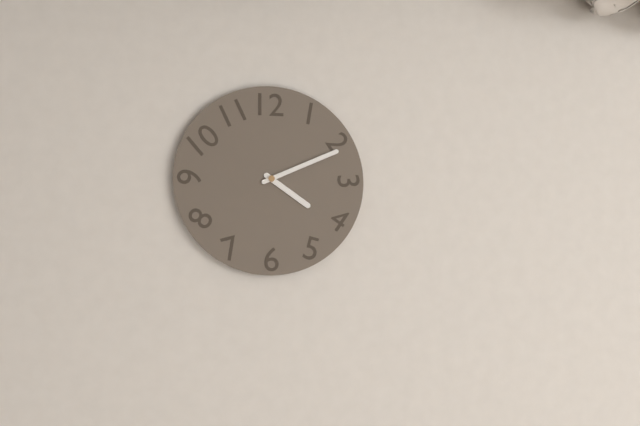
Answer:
4:11
